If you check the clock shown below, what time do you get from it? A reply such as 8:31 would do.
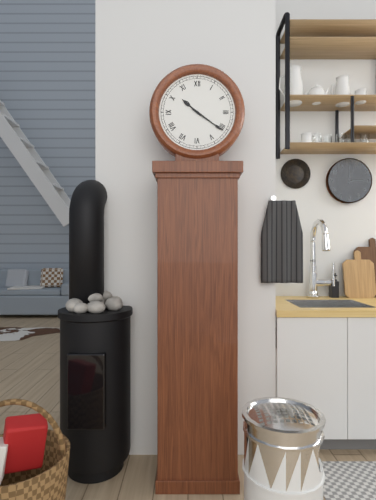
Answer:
10:21
